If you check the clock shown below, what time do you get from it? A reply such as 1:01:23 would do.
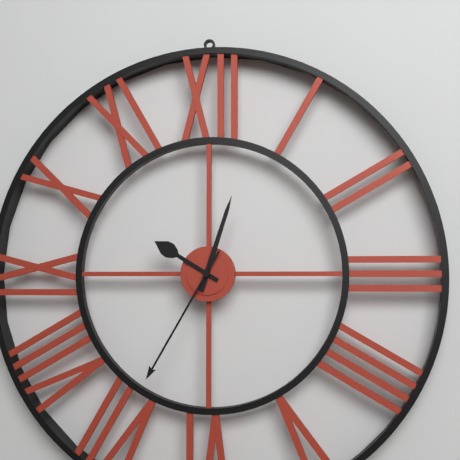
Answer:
10:03:35
